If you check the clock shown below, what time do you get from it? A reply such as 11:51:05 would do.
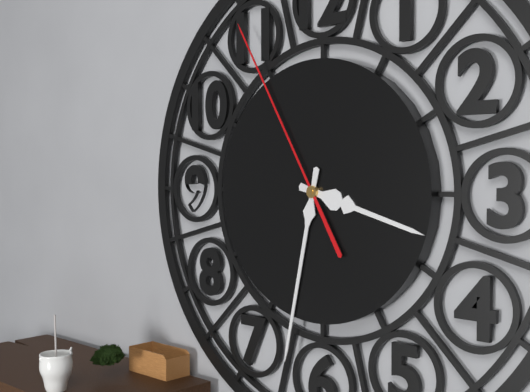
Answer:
3:32:55
